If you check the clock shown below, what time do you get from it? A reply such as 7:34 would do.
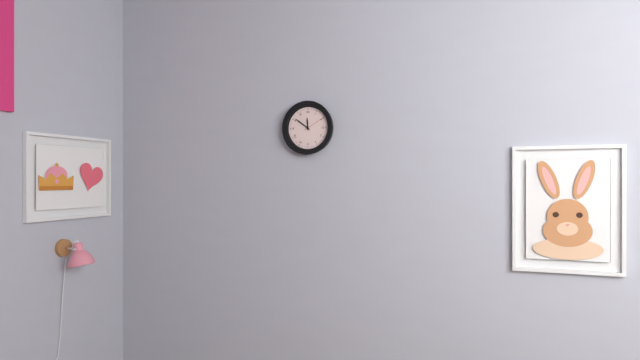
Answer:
11:51
